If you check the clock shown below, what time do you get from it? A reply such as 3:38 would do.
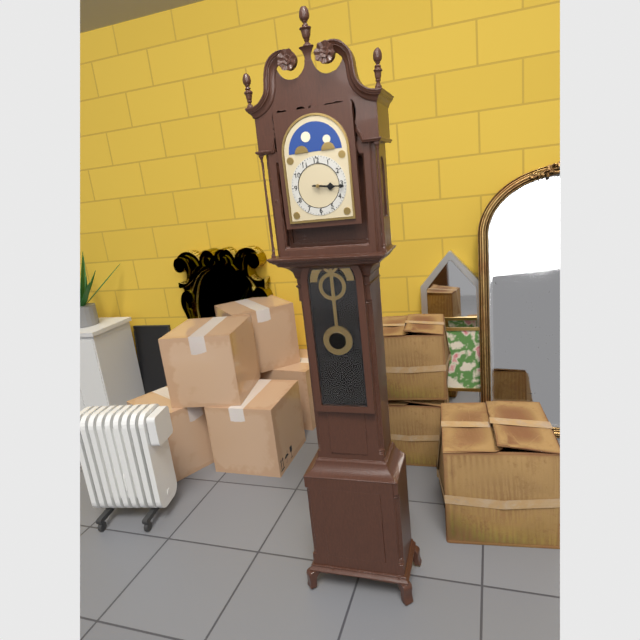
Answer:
3:16
